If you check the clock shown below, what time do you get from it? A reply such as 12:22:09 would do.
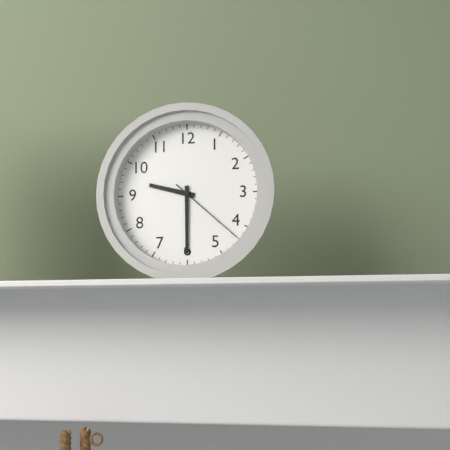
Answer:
9:30:22
